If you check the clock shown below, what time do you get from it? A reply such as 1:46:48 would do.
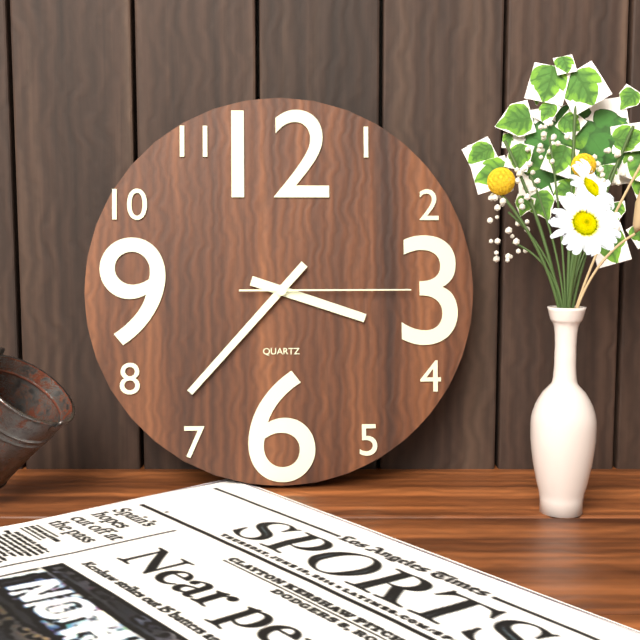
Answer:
3:37:15
